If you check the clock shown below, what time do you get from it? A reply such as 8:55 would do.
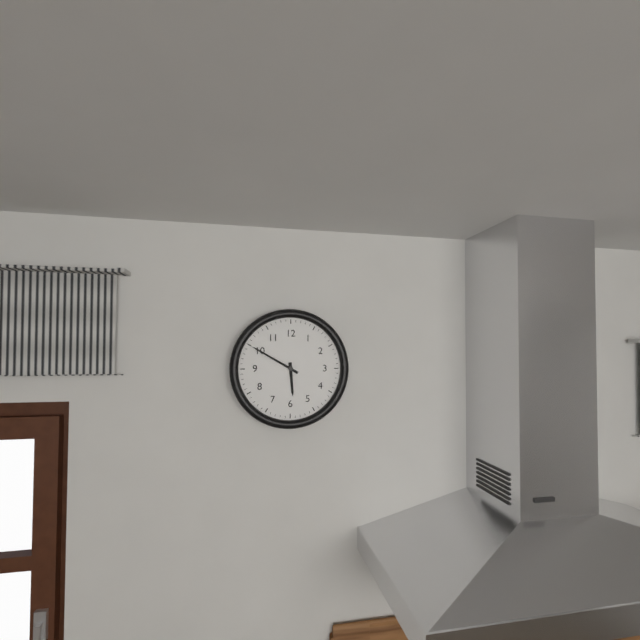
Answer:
5:50
